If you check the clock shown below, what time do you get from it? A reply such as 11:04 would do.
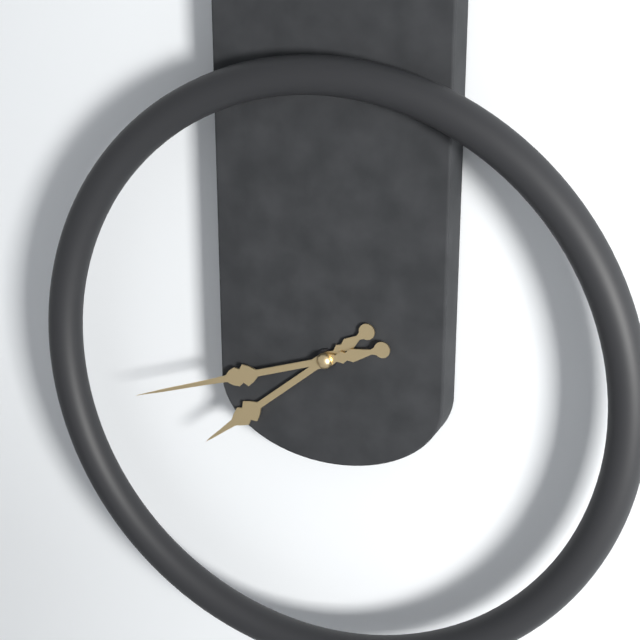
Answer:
7:42
